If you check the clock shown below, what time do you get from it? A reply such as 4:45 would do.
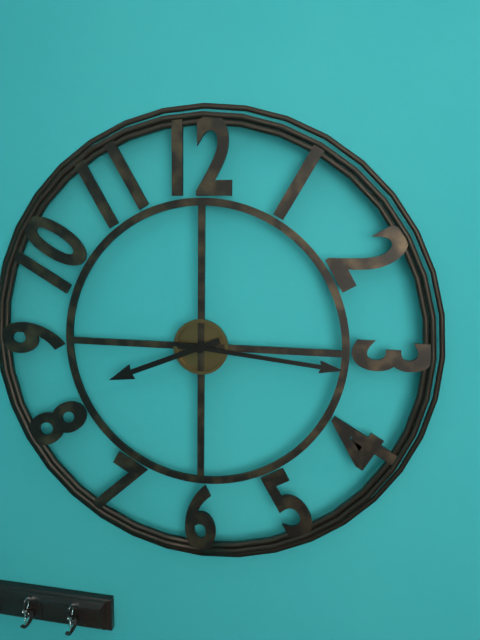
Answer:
8:16
